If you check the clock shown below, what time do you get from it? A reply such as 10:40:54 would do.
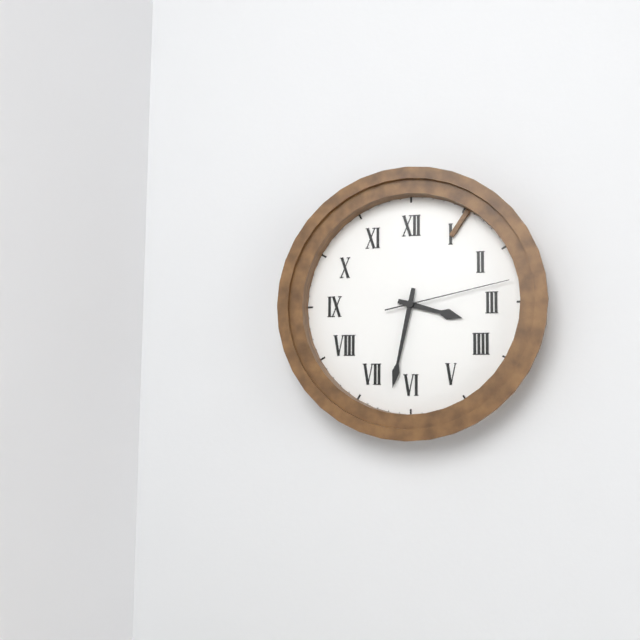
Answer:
3:32:13
